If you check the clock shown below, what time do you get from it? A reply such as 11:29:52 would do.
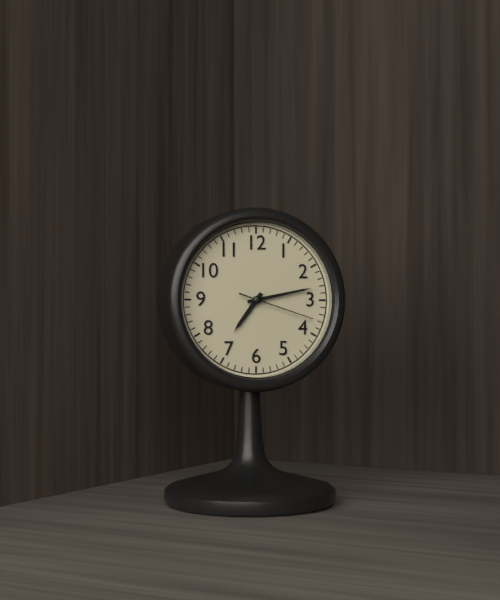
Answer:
7:13:18
